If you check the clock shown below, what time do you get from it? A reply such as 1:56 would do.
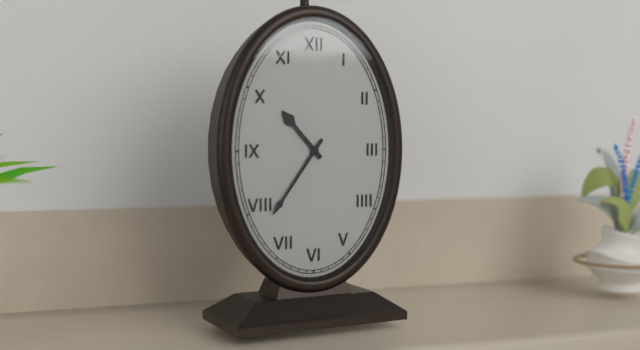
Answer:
10:36
